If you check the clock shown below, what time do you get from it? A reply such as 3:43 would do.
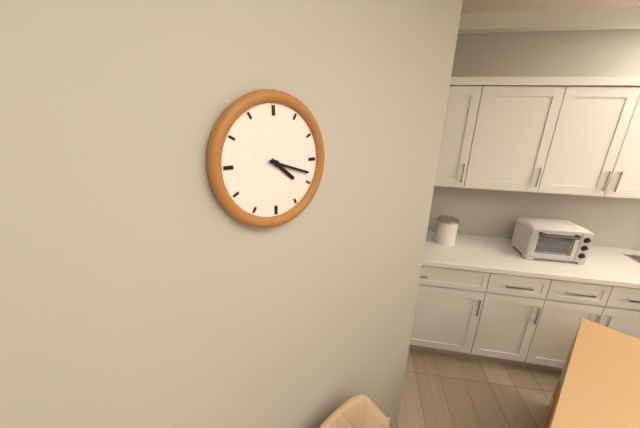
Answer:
4:18
